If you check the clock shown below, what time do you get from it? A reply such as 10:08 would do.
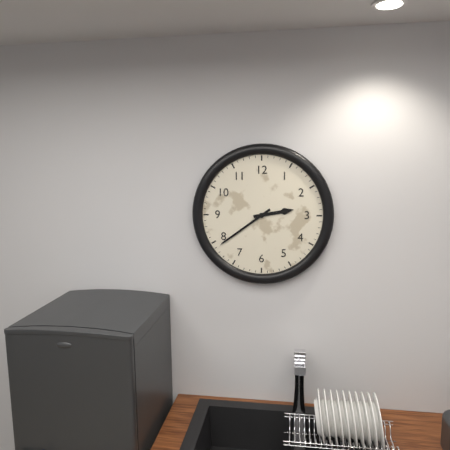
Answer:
2:39
